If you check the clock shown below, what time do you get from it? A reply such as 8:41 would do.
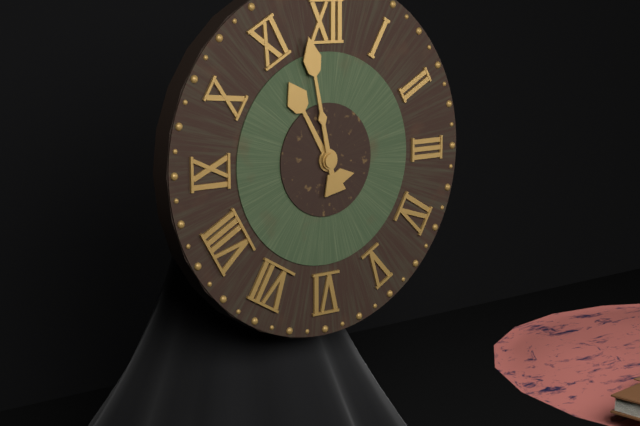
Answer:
10:58
